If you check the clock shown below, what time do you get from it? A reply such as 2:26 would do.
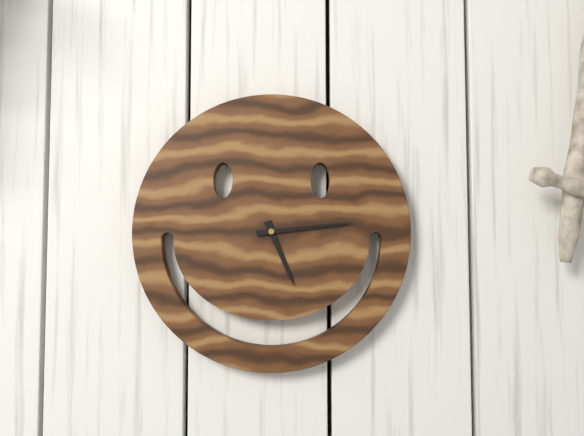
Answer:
5:14
